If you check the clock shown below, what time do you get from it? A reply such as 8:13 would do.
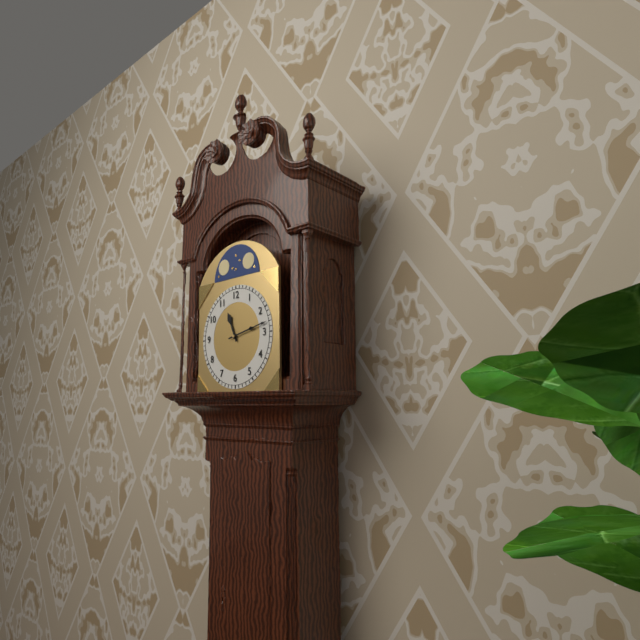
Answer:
11:13
